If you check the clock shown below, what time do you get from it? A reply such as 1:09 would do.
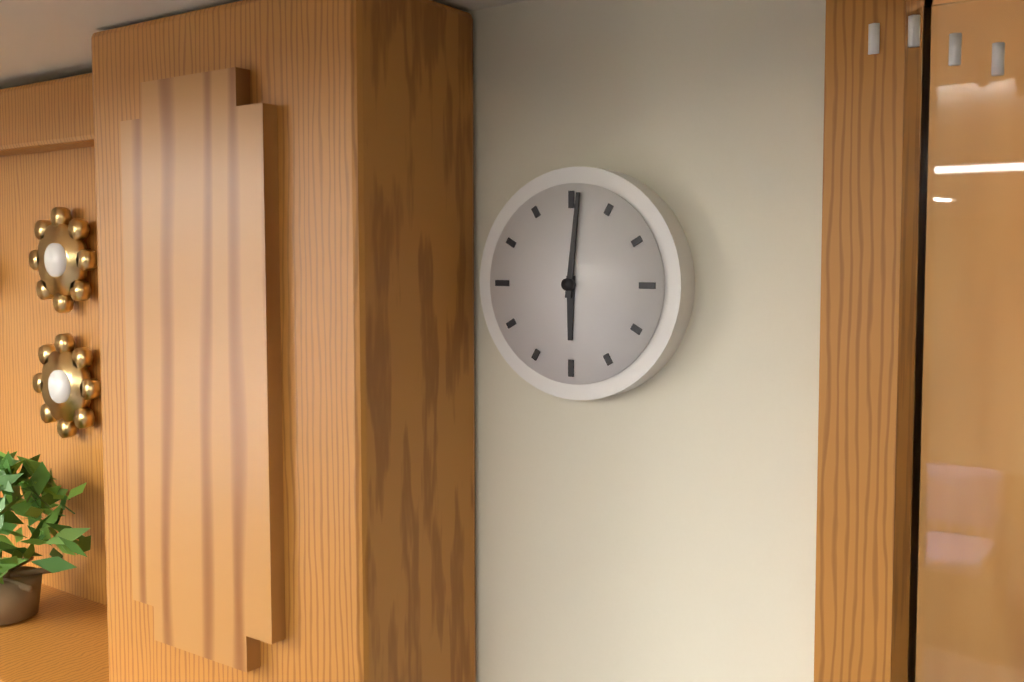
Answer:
6:01
